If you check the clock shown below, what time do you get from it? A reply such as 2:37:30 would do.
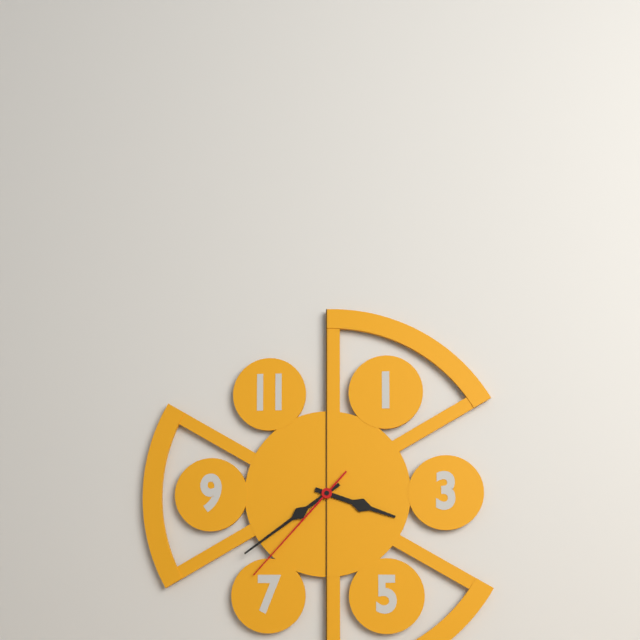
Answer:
3:39:37
